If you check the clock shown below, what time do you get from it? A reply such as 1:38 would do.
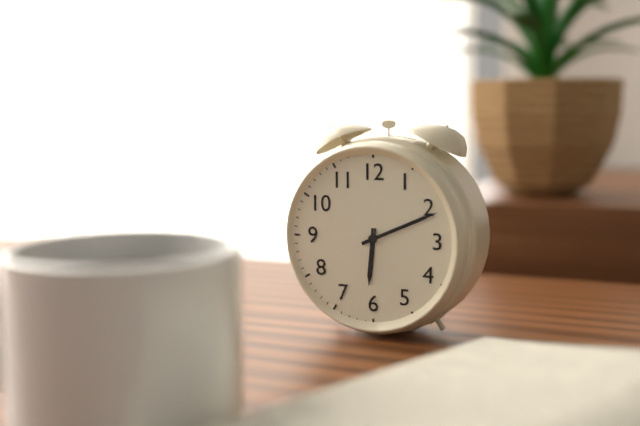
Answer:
6:11
